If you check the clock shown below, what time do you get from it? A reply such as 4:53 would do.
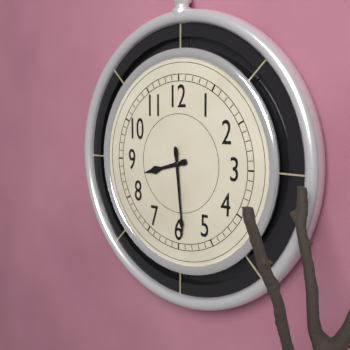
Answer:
8:29
